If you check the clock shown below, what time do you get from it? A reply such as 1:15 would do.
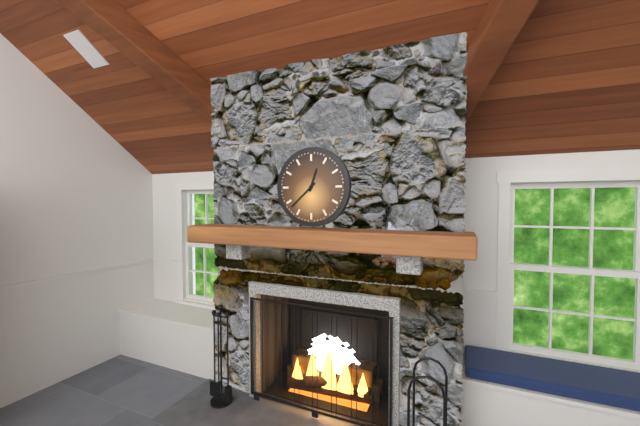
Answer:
12:38
